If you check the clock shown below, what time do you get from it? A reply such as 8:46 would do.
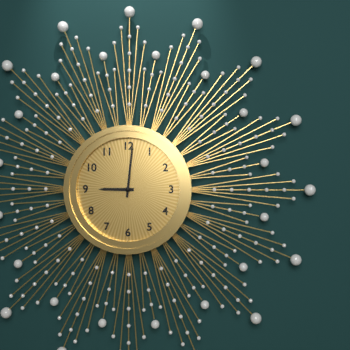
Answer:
9:01
